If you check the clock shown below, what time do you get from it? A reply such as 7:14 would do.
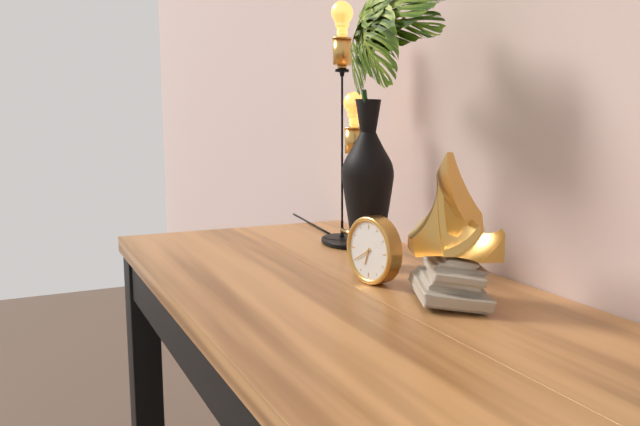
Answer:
6:40
